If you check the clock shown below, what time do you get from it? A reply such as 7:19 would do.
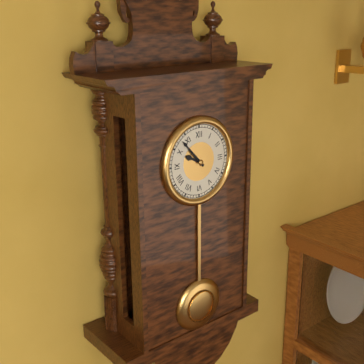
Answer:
9:53
